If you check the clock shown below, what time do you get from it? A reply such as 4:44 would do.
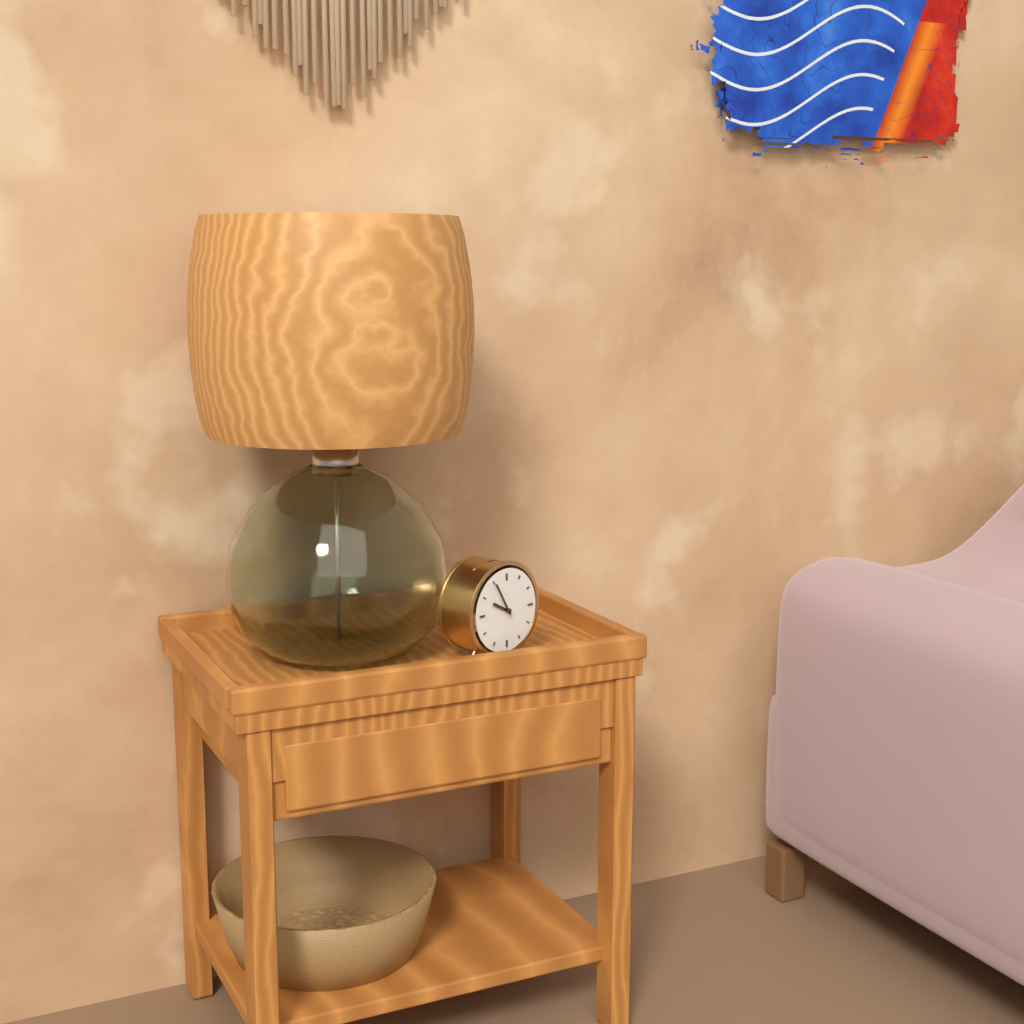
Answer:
9:55
